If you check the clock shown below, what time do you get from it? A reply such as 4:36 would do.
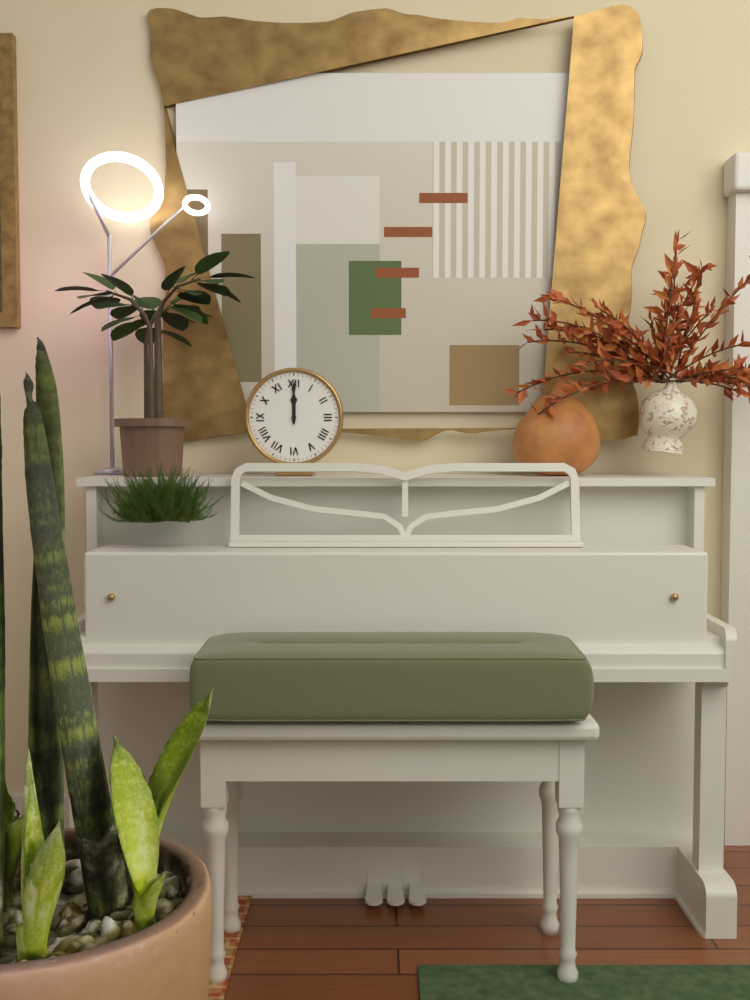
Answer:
12:00
